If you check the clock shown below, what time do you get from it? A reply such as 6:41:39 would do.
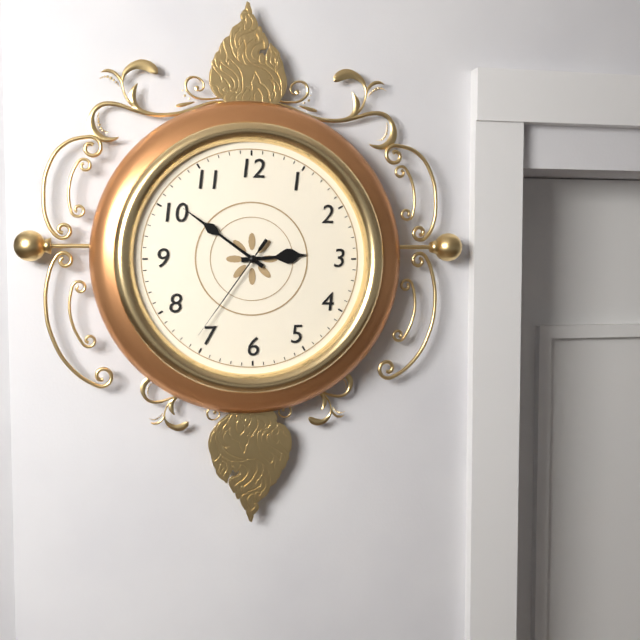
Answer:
2:51:36
